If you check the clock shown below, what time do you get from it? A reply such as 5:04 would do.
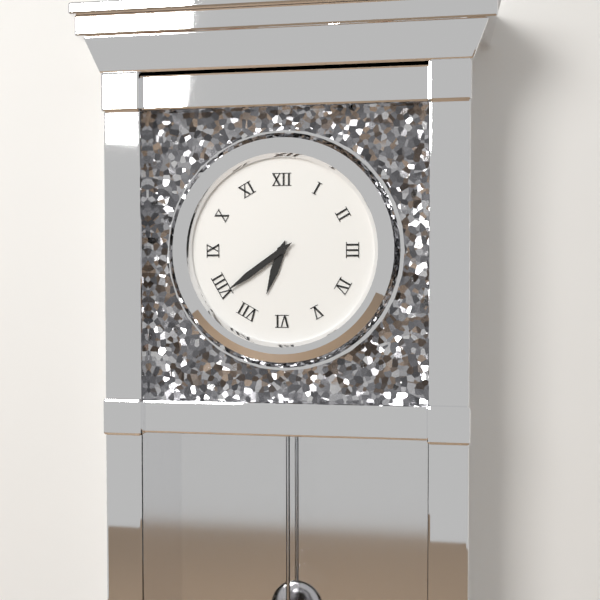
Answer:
6:39
